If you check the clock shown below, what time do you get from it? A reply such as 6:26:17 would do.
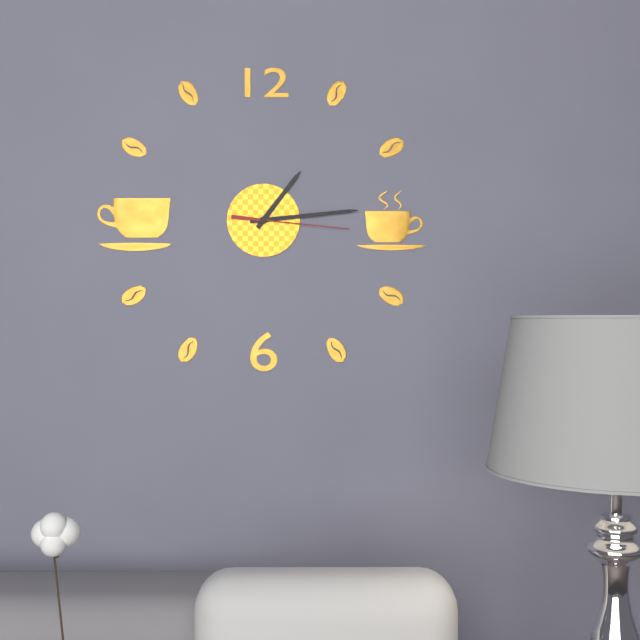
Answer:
1:14:16
